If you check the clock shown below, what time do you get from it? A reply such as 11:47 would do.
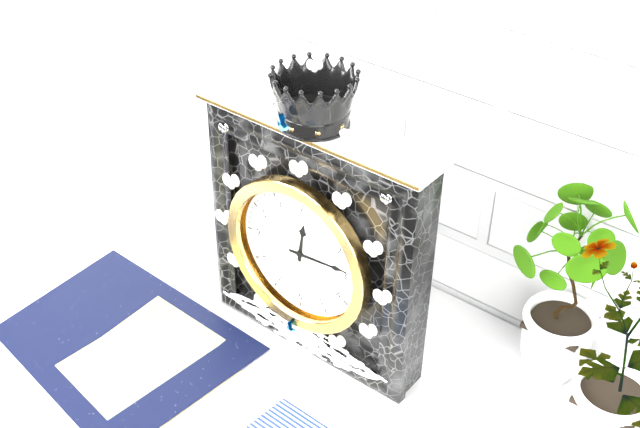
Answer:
12:14
